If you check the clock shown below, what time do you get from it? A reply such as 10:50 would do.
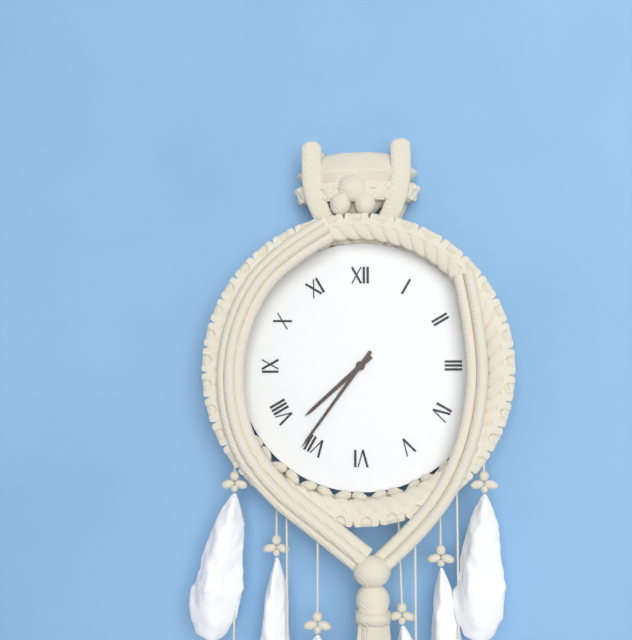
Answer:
7:36
